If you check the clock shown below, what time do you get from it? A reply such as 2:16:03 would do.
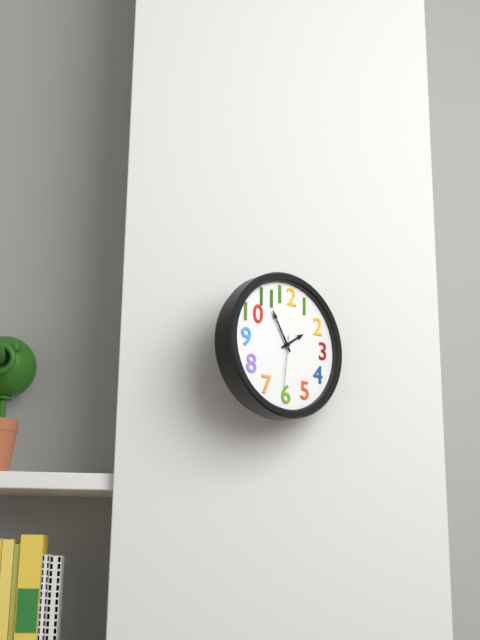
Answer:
1:55:31
